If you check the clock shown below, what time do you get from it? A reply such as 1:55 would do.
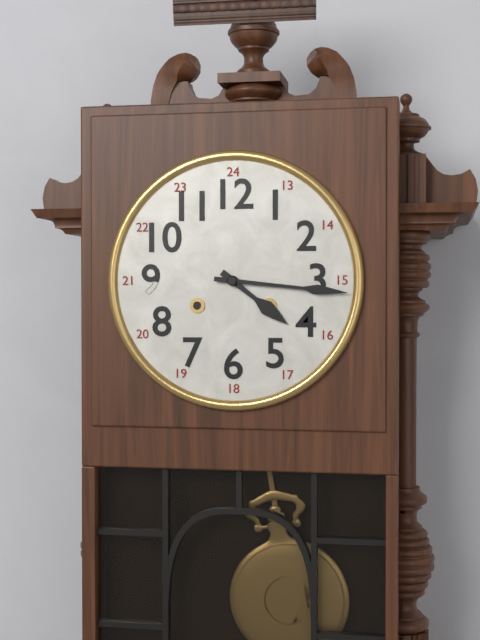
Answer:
4:16
